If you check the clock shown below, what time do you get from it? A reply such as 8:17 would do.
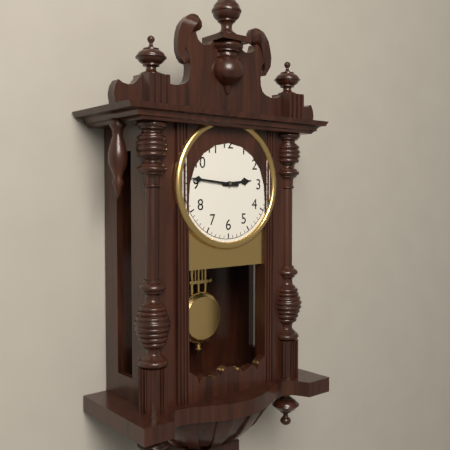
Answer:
2:46
